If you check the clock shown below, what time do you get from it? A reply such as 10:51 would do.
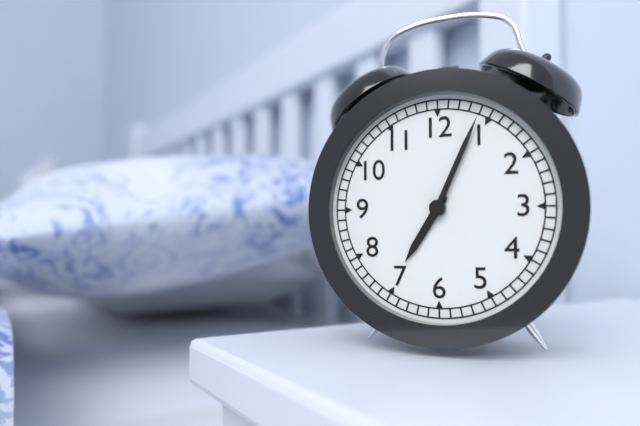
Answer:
7:04
